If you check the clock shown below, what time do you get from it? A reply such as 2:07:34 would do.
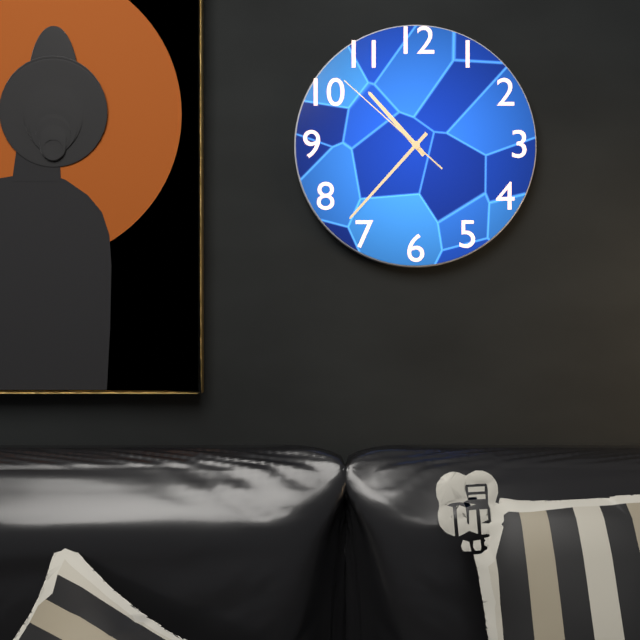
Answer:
10:37:52
